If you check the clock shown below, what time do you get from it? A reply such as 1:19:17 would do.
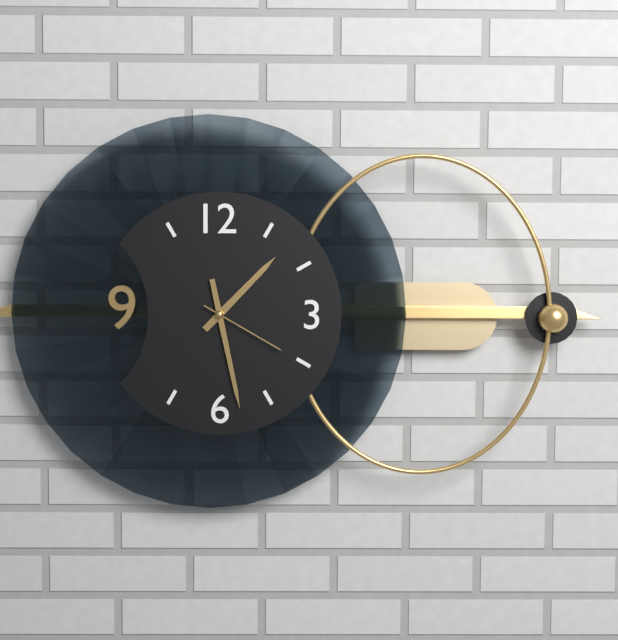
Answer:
1:28:20
